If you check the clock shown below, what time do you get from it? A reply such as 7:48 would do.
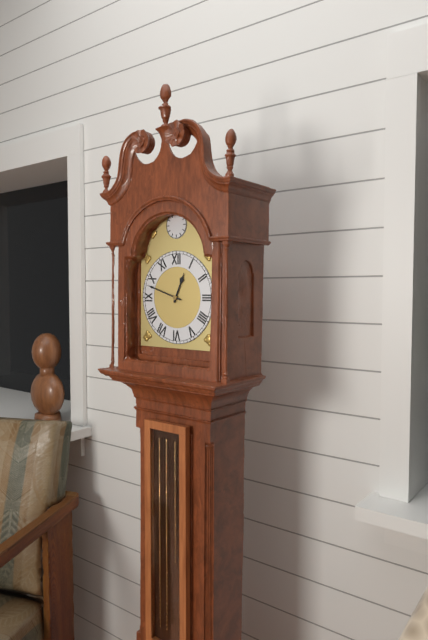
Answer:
12:48
